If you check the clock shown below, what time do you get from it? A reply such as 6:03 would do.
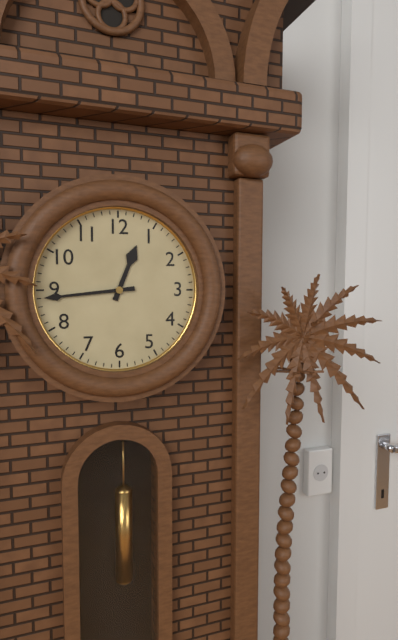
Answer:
12:44
